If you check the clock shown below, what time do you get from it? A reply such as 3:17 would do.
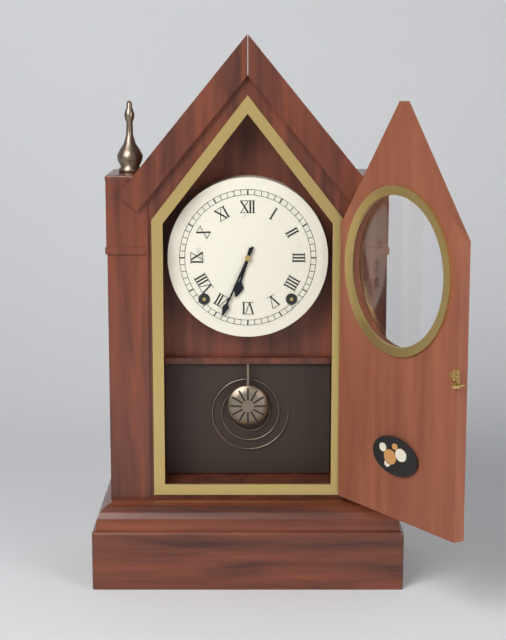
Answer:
6:34
